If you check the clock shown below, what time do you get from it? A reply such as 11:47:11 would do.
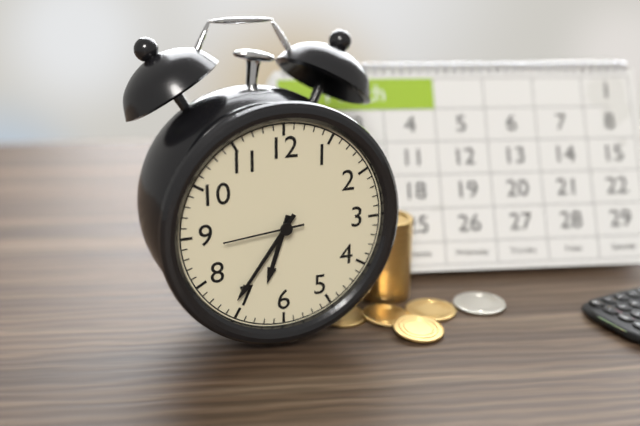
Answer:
6:36:44
